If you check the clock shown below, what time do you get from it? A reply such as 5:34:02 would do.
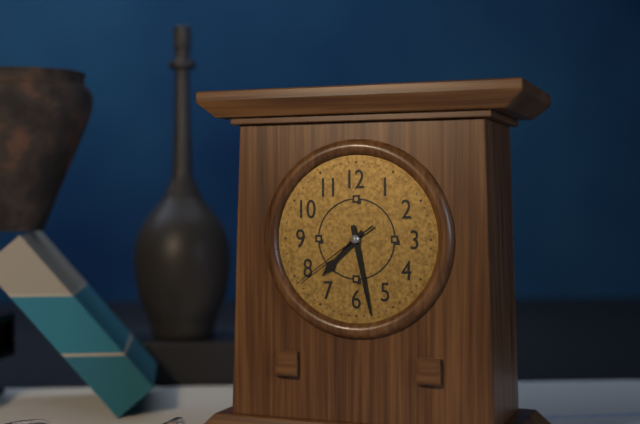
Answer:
7:28:39
